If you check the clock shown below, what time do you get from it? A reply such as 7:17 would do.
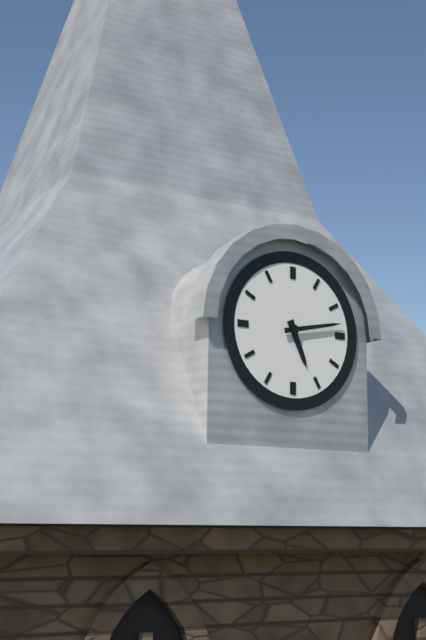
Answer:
5:13
